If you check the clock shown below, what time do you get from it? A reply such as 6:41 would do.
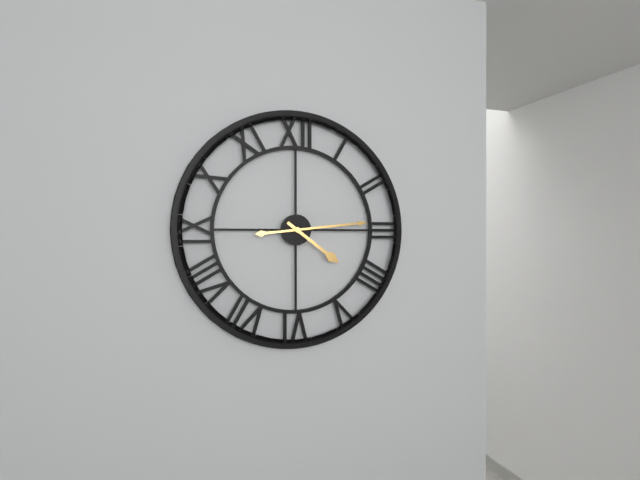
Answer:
4:14
